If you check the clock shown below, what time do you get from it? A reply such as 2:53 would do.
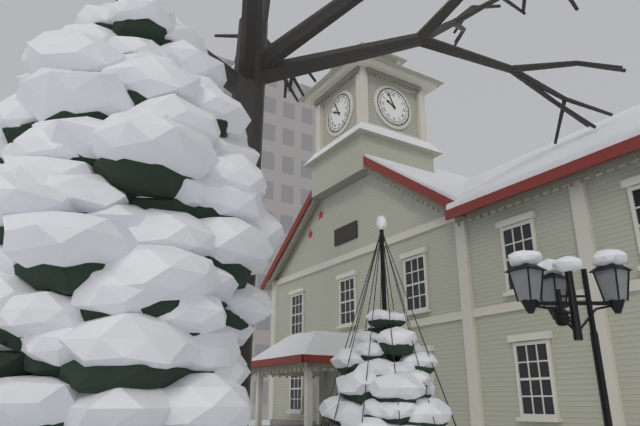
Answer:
9:56
